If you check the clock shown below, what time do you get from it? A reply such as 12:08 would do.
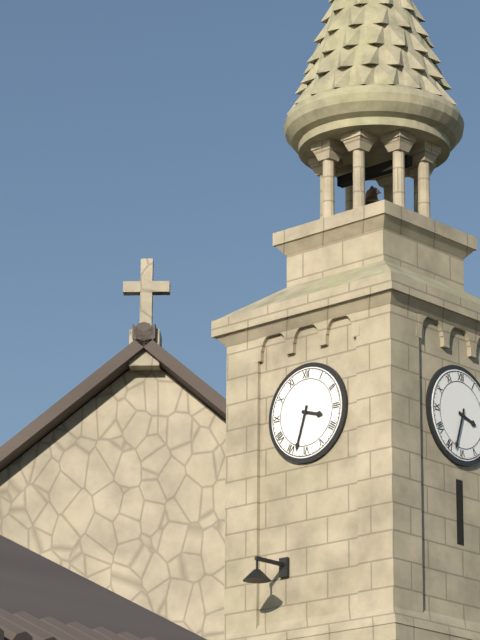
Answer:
3:33
